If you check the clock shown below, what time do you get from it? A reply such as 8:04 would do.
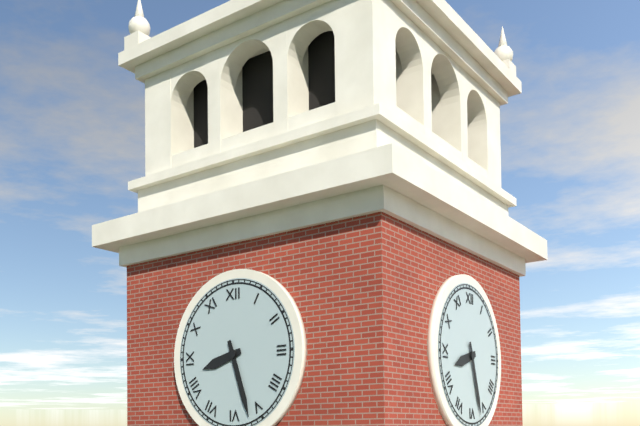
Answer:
8:27
